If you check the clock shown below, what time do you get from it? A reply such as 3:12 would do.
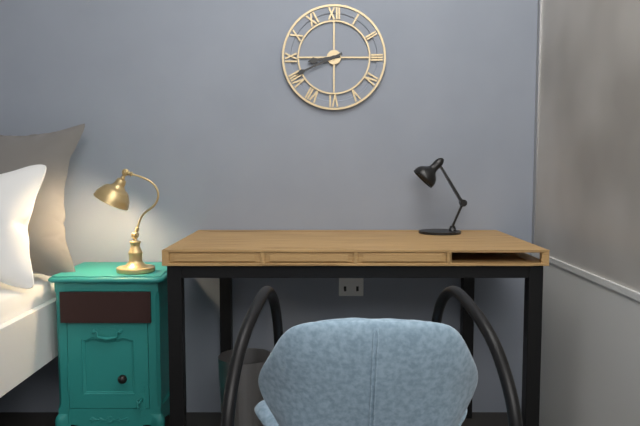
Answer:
8:41
